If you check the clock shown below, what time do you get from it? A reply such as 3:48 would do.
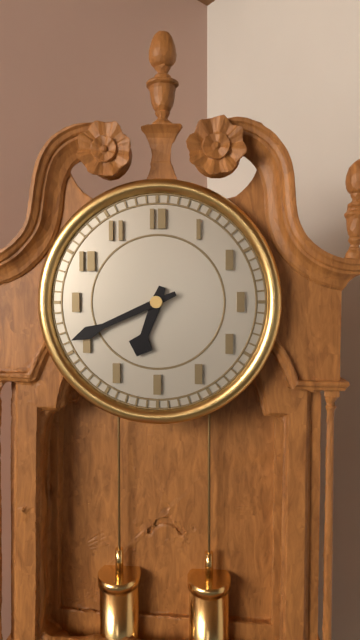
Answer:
6:41
